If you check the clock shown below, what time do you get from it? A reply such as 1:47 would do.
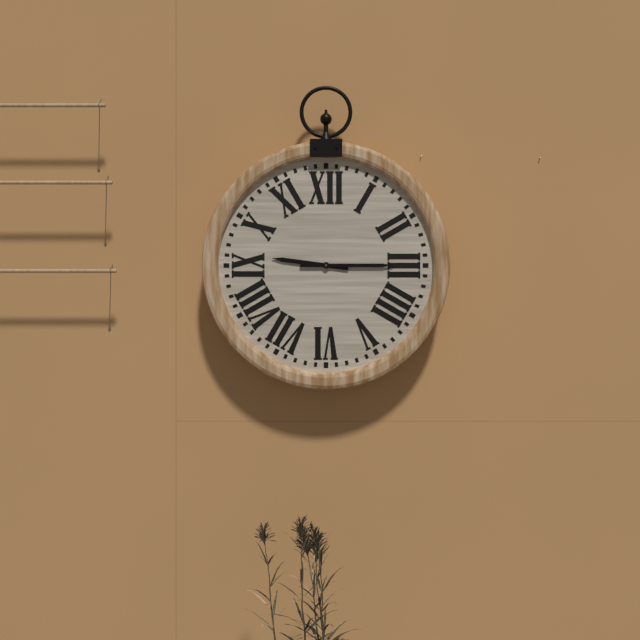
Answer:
9:15
